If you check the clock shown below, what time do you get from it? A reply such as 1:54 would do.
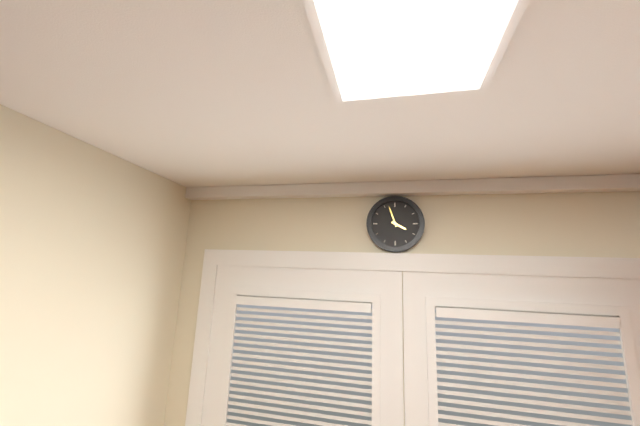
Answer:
3:57
